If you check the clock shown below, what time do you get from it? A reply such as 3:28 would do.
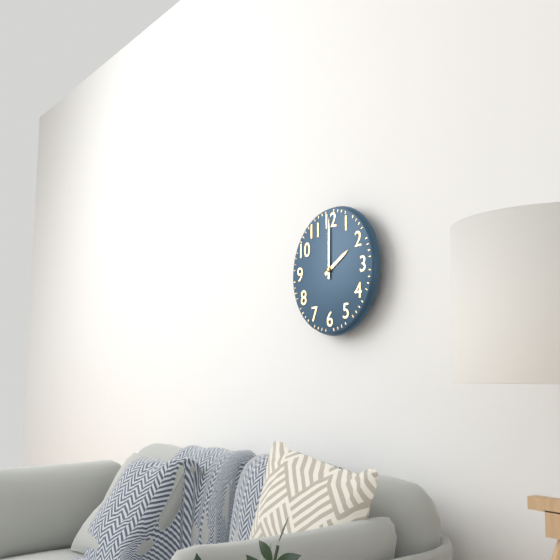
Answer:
2:00
